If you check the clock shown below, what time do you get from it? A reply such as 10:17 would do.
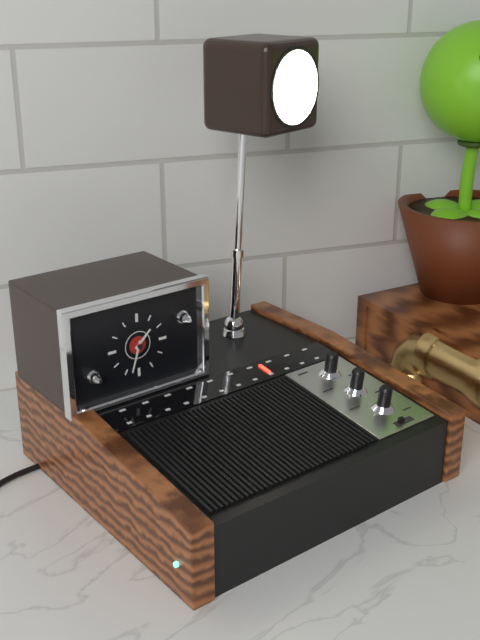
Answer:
1:33
